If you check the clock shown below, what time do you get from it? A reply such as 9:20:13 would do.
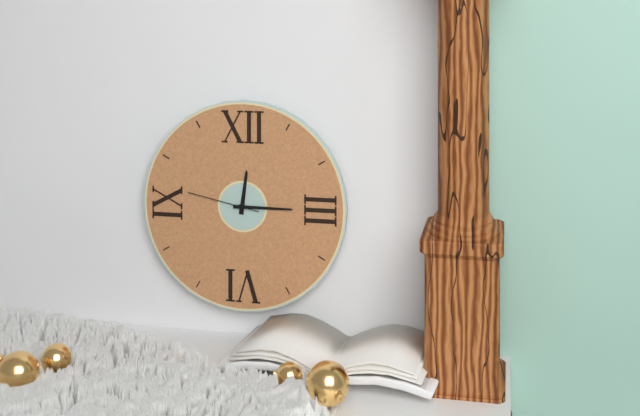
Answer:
12:15:47
